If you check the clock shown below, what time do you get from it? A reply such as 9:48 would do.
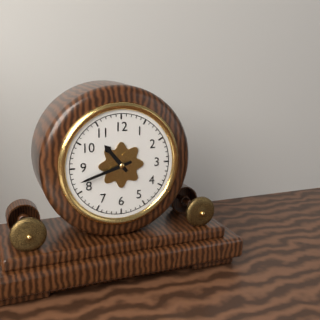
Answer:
10:42
